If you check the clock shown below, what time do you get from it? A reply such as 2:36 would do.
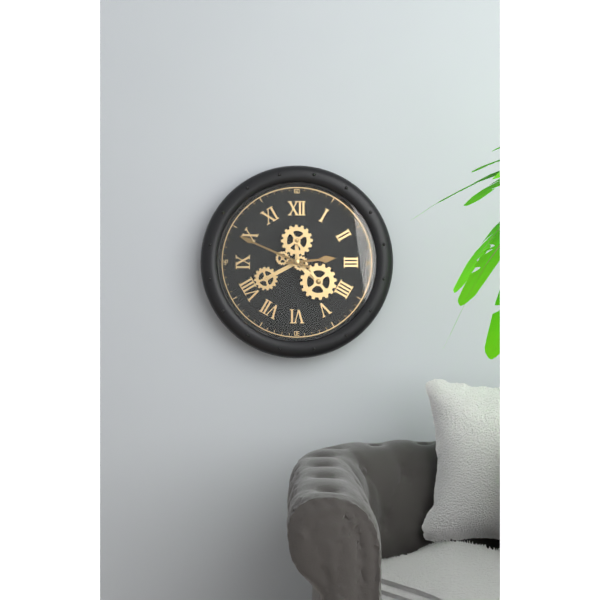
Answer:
2:49
